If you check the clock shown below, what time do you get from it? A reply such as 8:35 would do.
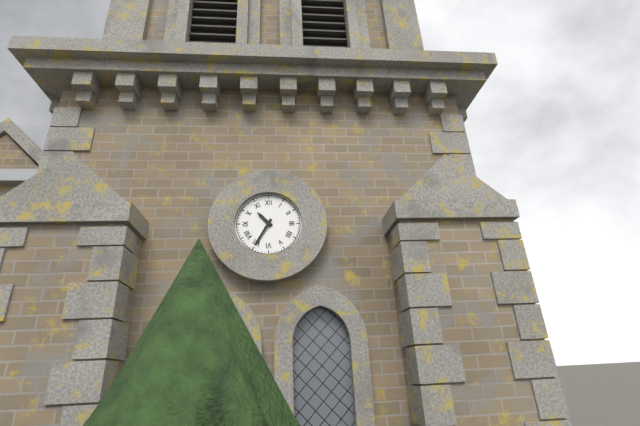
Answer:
10:35
